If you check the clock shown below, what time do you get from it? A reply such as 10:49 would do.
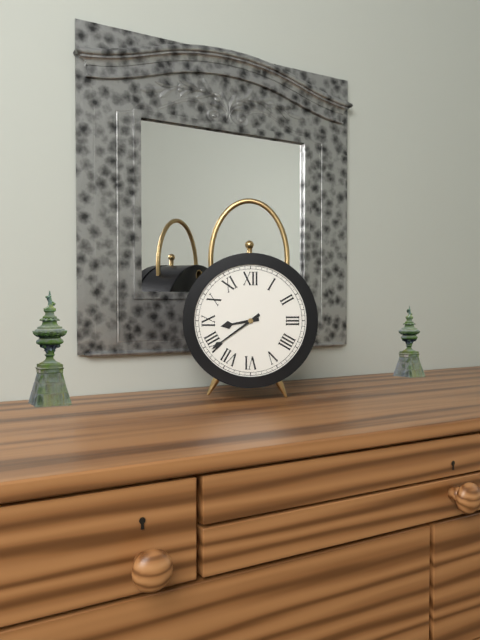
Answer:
8:39
